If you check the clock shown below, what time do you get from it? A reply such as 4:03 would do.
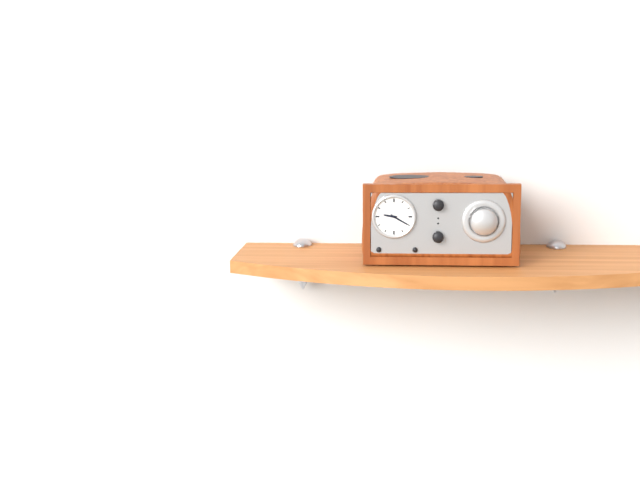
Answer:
9:20
